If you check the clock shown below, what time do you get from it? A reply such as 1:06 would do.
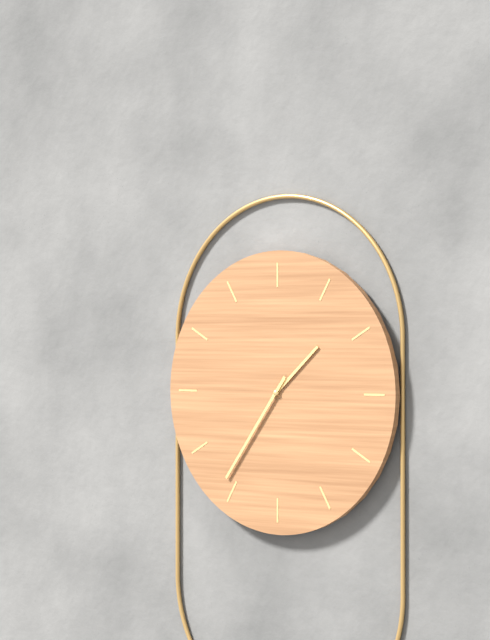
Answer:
1:36
